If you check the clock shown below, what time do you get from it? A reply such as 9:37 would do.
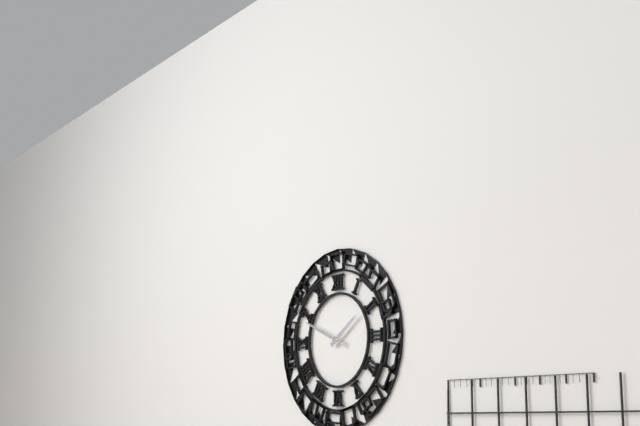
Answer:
1:49
